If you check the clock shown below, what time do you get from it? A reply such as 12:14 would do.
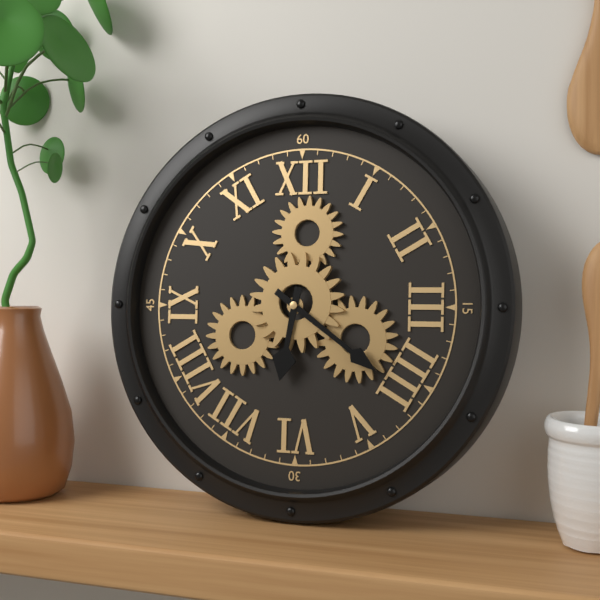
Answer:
6:21
